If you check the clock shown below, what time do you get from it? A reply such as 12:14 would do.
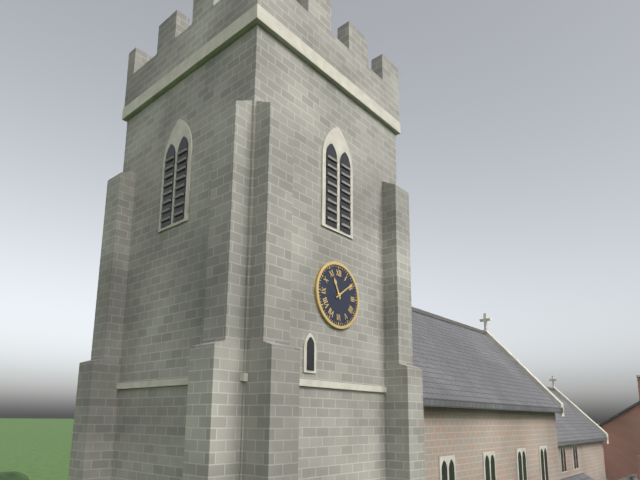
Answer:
11:09
